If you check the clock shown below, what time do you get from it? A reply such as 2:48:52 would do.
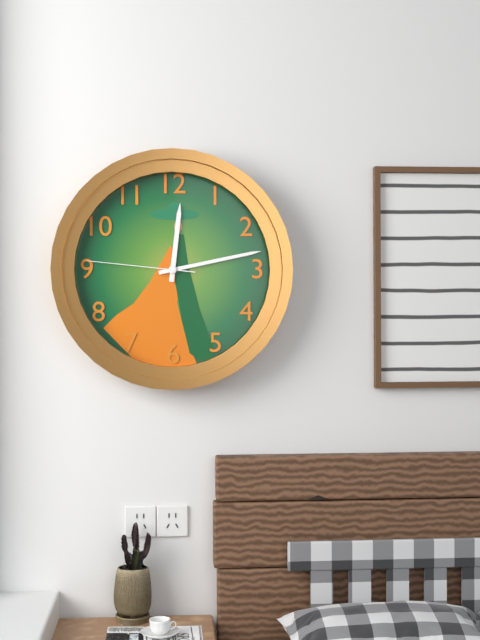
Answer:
12:13:46
